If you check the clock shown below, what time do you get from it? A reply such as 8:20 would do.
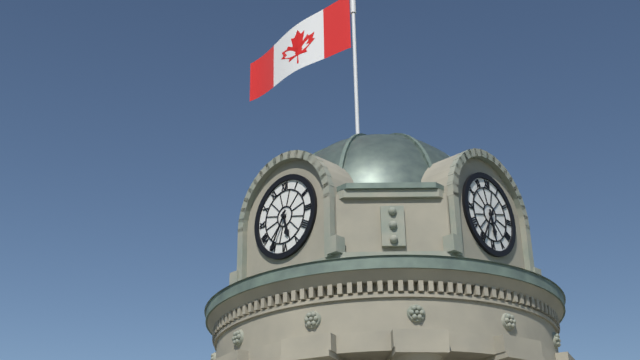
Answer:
5:35
